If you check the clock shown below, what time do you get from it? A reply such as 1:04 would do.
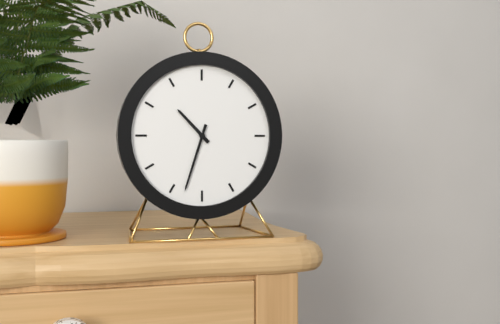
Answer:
10:33
